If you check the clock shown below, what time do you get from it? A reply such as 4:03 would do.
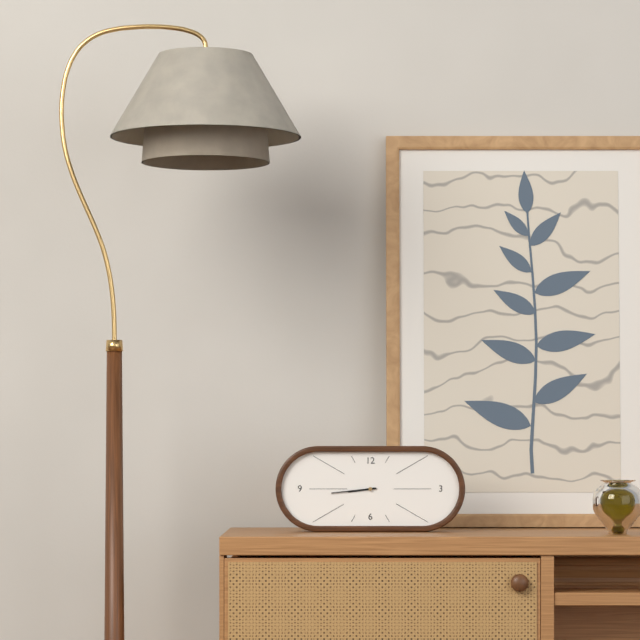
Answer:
8:44
